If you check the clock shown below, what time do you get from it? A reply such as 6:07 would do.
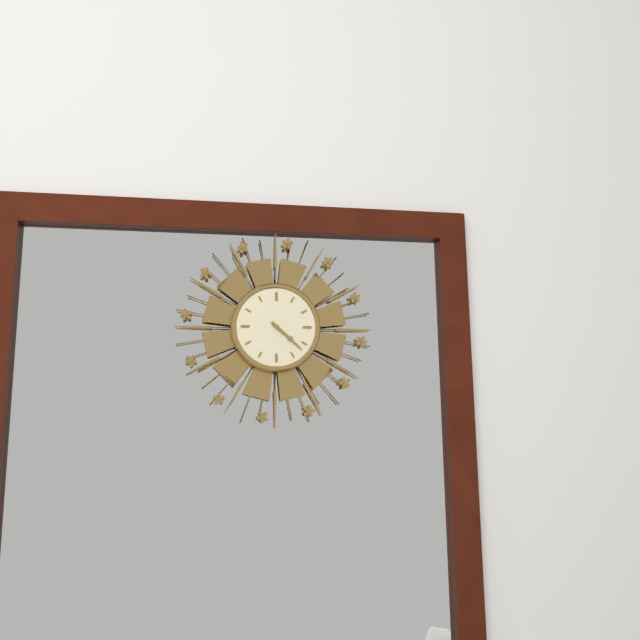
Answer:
4:22
